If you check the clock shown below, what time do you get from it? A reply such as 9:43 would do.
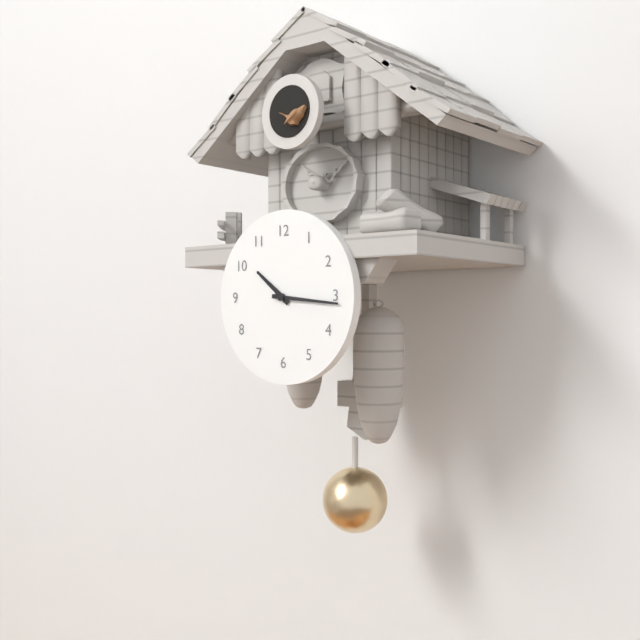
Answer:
10:16
